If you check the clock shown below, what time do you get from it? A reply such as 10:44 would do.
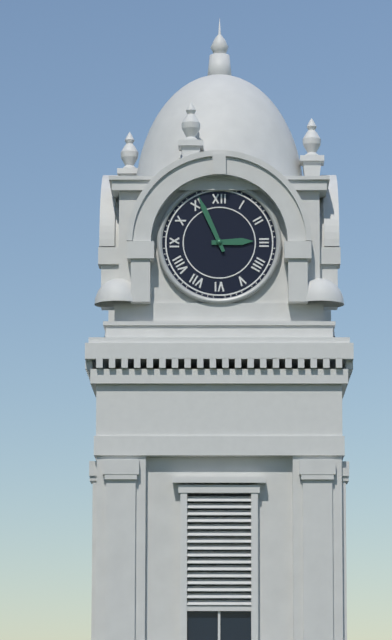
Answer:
2:56
